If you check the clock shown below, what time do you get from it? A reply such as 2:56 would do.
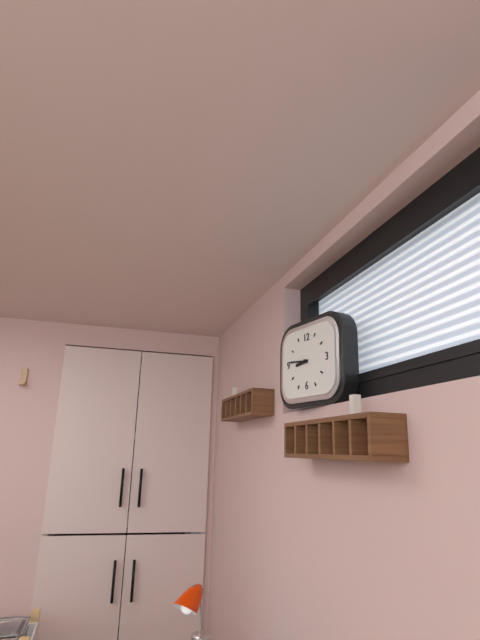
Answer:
8:46
